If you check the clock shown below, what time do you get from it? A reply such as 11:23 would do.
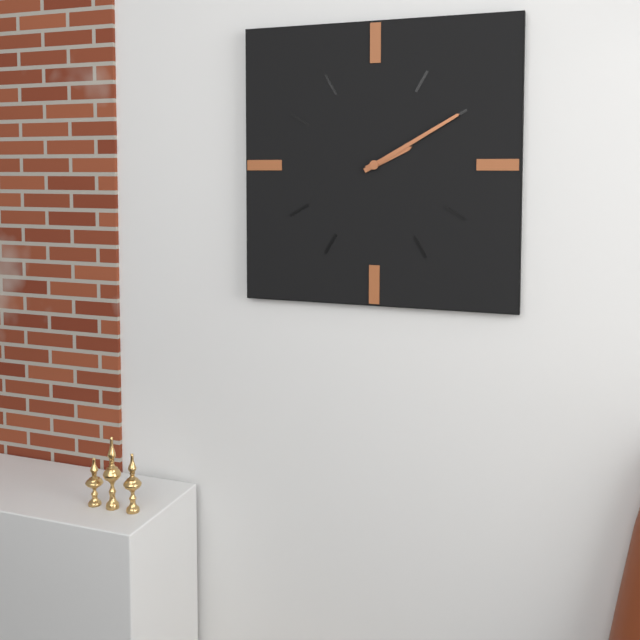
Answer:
2:10
